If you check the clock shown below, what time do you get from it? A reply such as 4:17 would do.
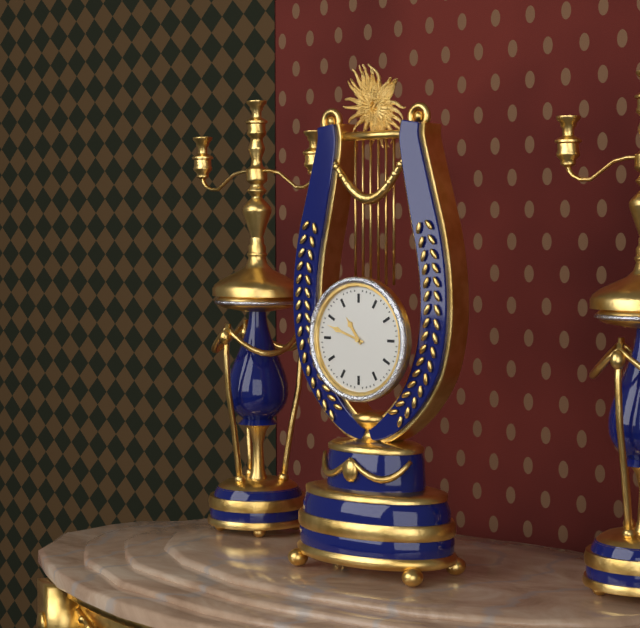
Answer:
10:48
